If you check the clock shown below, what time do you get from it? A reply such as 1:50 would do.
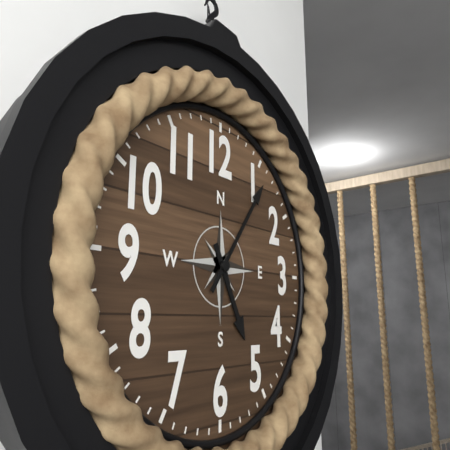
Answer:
5:06
